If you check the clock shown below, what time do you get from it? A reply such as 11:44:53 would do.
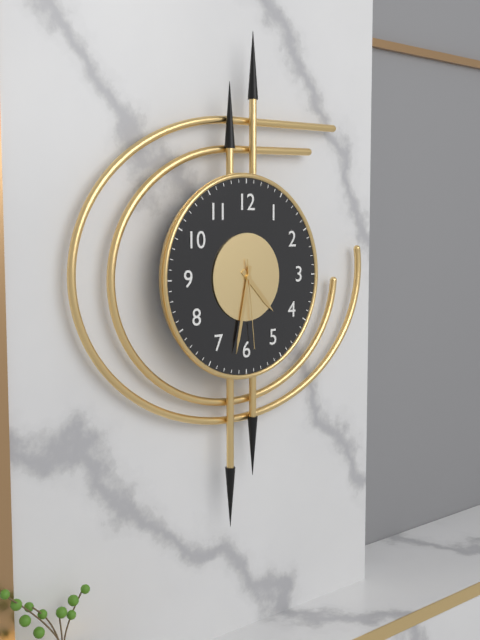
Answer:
4:32:29
